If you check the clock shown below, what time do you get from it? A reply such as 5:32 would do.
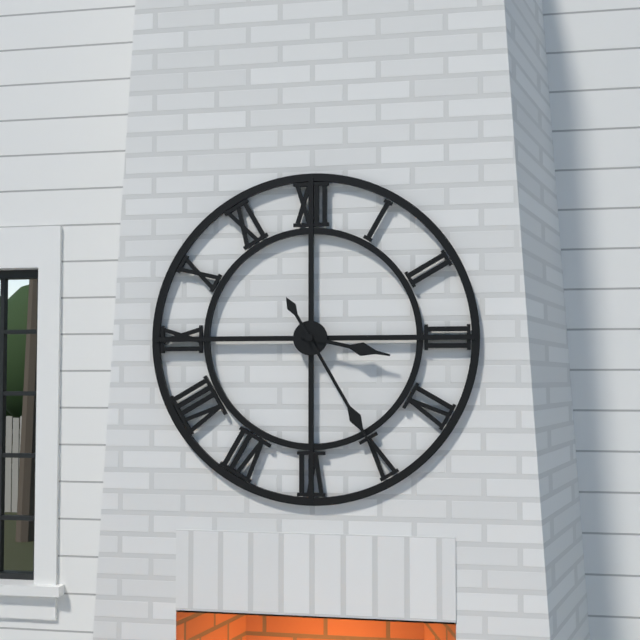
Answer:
3:25
